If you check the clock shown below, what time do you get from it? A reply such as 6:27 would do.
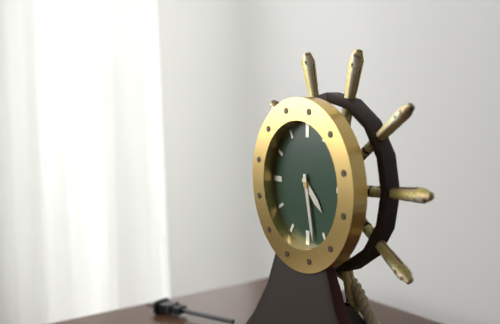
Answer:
4:28
